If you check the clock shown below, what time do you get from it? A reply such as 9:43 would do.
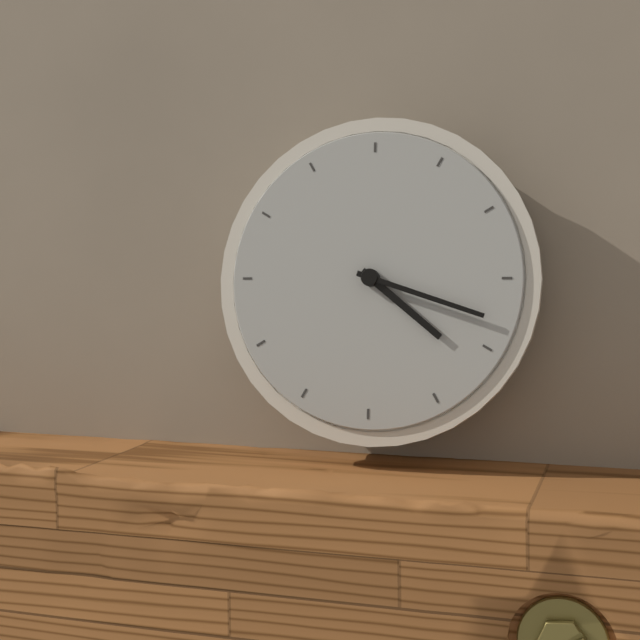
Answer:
4:18
